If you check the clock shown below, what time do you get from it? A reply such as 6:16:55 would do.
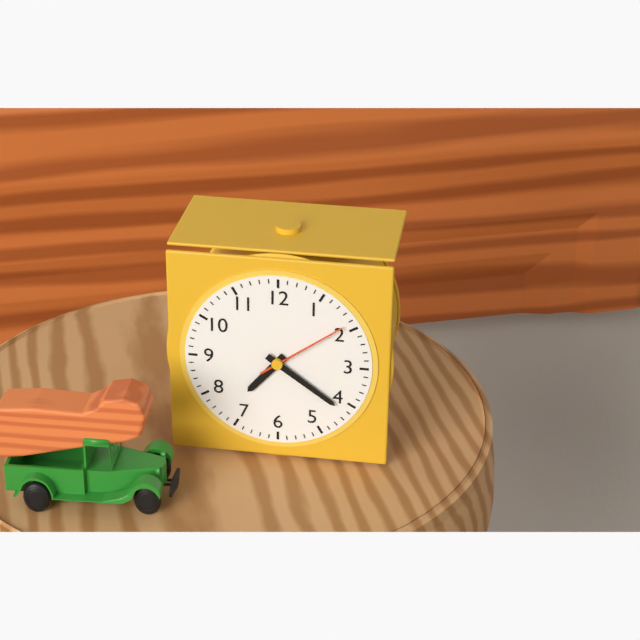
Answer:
7:21:09
